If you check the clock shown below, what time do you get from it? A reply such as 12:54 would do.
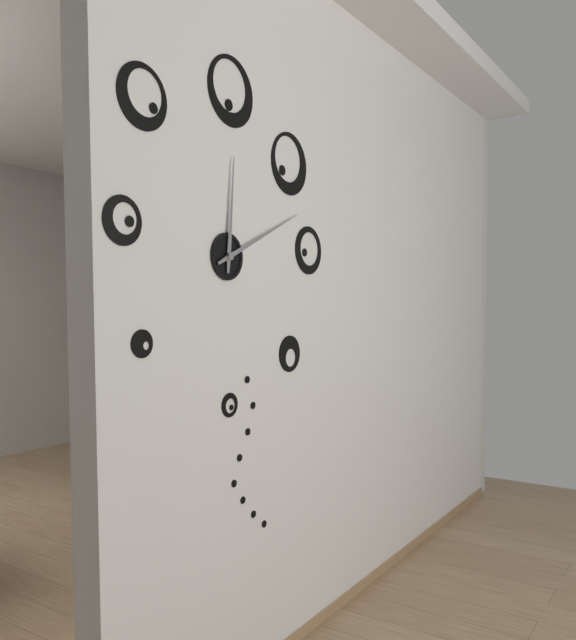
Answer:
12:11
